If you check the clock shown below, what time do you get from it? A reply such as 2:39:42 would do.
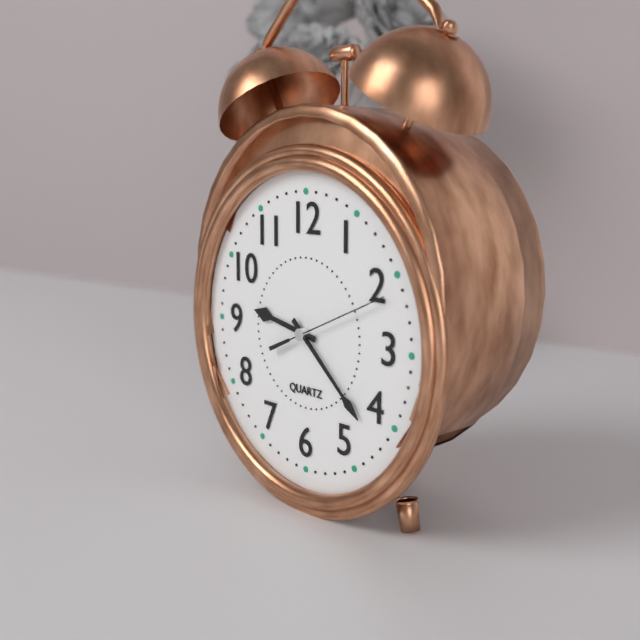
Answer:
9:22:11
